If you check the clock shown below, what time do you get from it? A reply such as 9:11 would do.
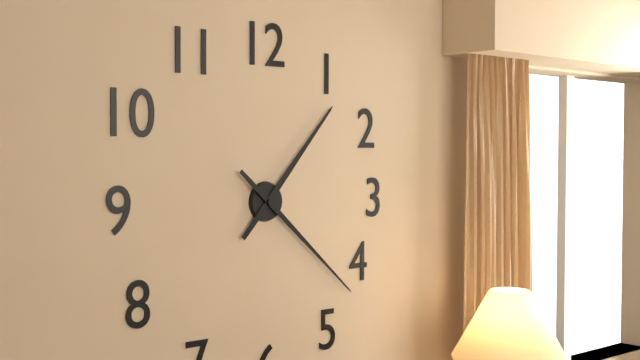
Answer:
1:22
